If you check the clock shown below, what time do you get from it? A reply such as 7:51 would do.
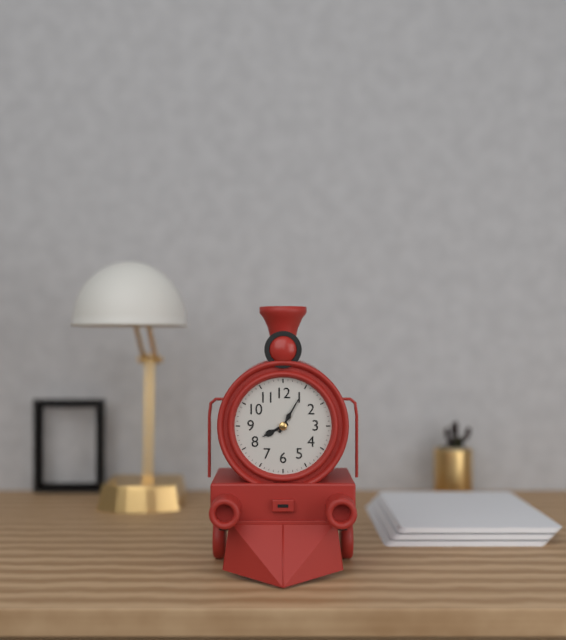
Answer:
8:05
